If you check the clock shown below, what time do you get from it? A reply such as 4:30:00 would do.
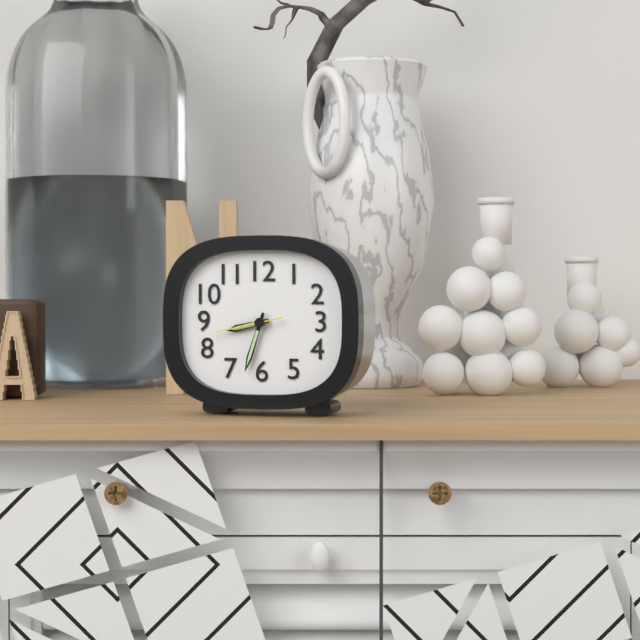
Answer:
8:33:43
